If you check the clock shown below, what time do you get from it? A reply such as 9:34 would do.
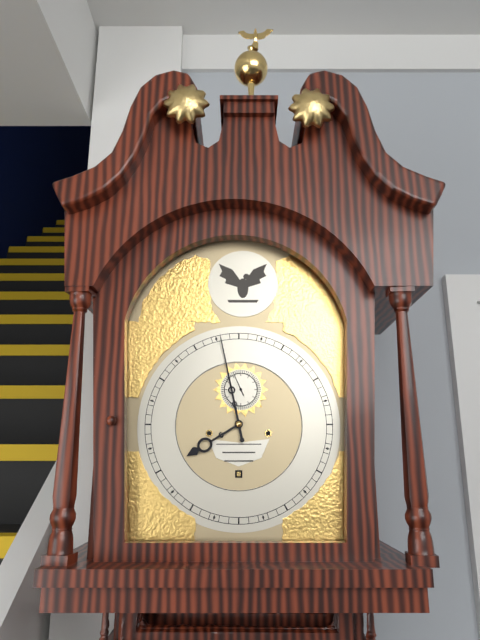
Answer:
7:58
